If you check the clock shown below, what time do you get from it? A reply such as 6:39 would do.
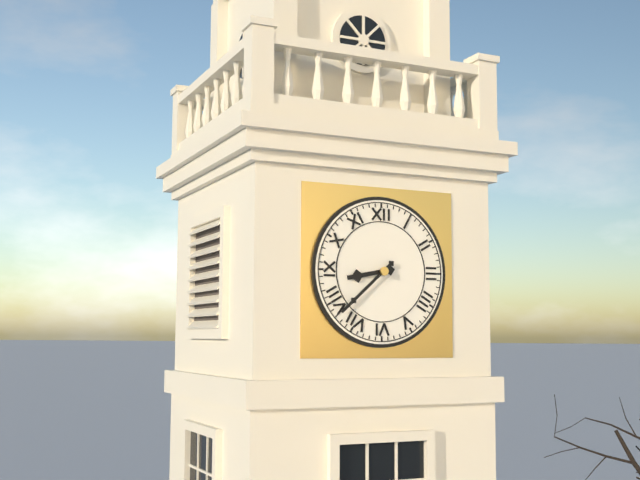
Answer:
8:38
